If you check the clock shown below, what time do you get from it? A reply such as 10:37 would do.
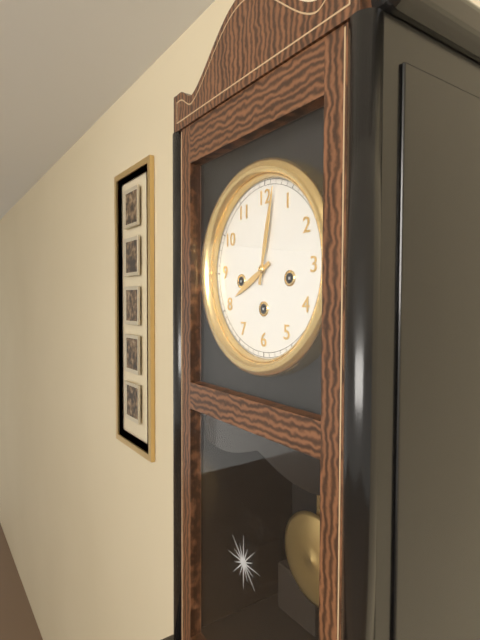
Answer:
8:02
